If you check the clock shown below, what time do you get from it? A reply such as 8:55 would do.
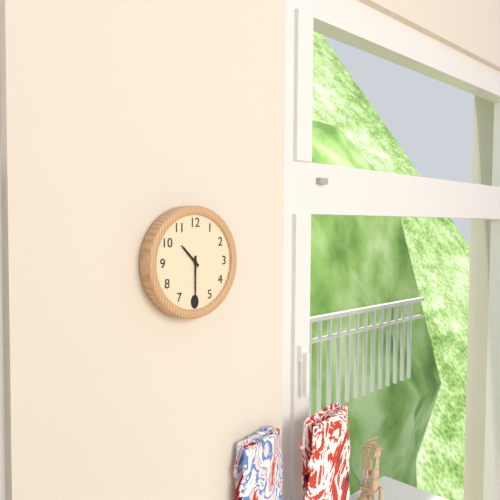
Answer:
10:30
